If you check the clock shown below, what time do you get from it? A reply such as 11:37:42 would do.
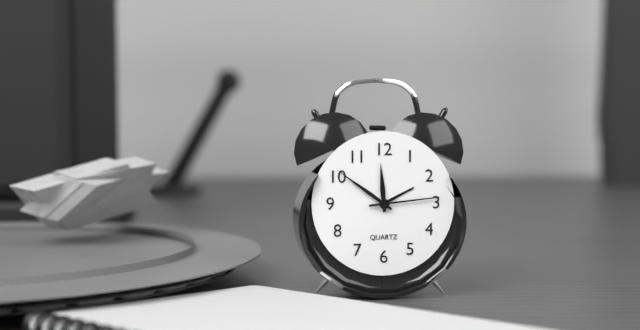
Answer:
11:51:14
